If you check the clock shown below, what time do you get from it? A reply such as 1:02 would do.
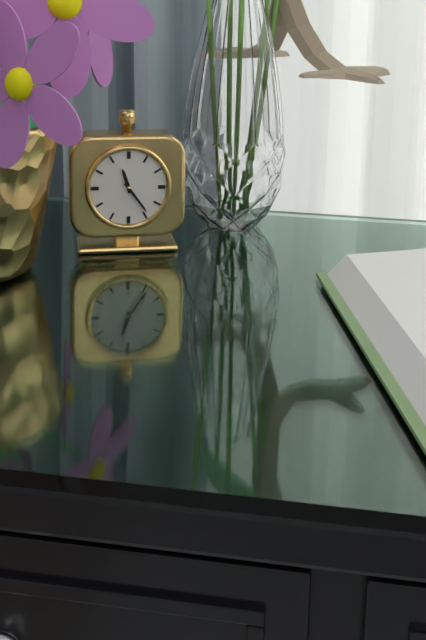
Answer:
11:24
